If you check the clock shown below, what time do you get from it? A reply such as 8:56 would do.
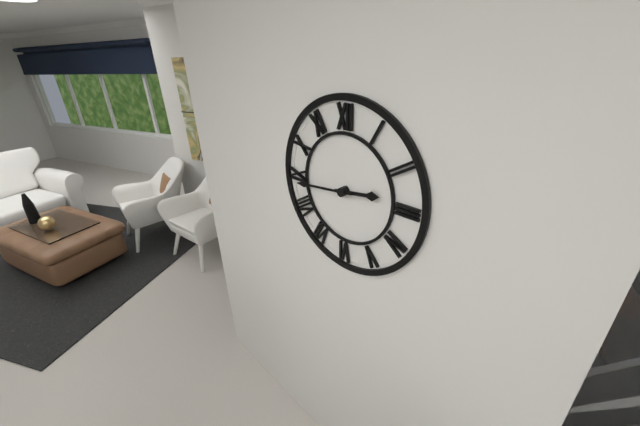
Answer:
2:44
